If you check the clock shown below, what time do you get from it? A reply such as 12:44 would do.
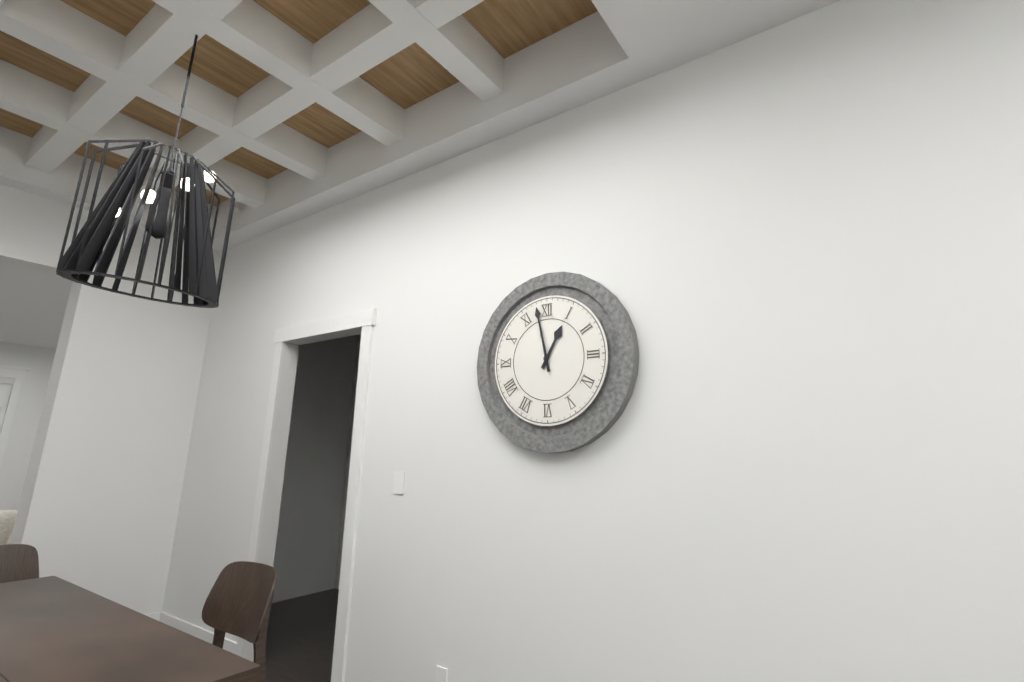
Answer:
12:58
